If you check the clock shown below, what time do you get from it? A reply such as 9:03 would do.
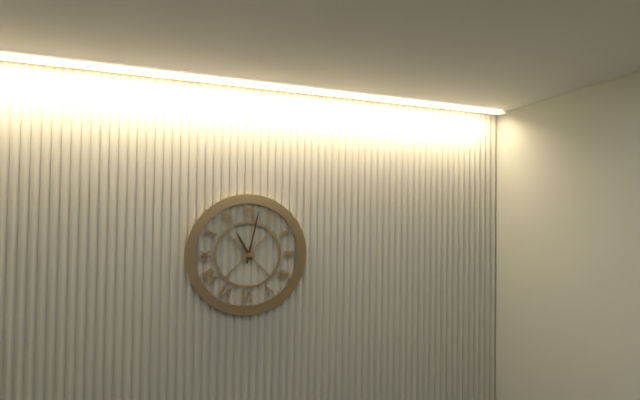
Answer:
11:02
